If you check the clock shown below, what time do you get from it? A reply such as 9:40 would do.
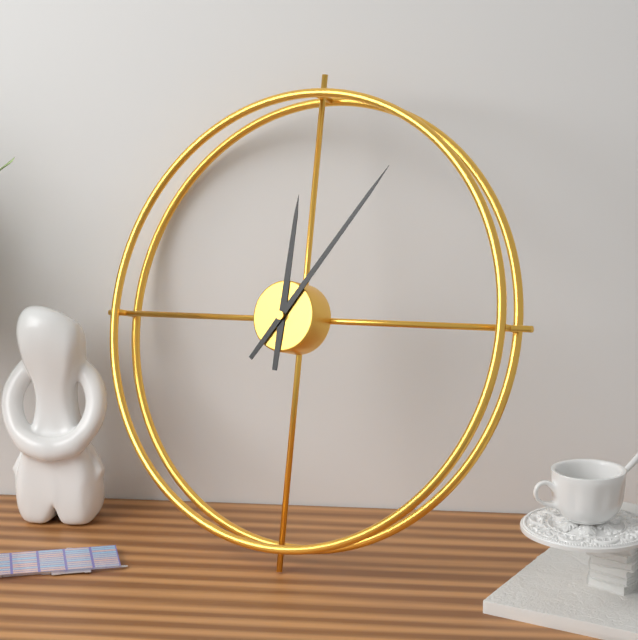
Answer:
12:06
